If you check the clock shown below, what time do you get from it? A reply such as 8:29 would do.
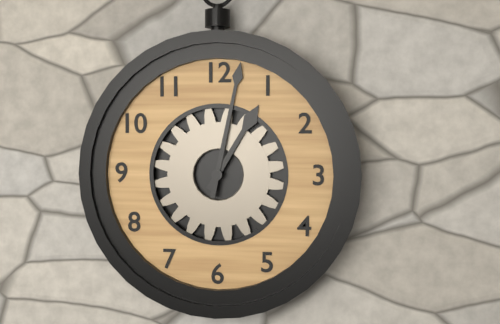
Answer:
1:02
